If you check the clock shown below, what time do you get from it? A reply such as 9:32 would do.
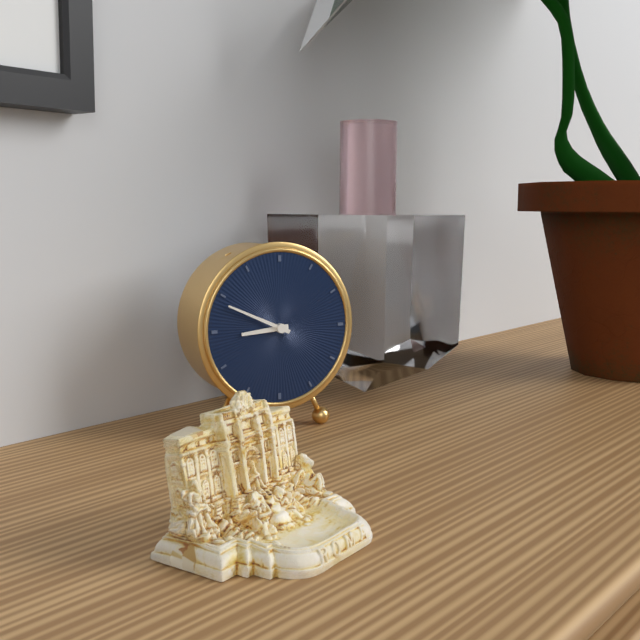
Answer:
8:49
